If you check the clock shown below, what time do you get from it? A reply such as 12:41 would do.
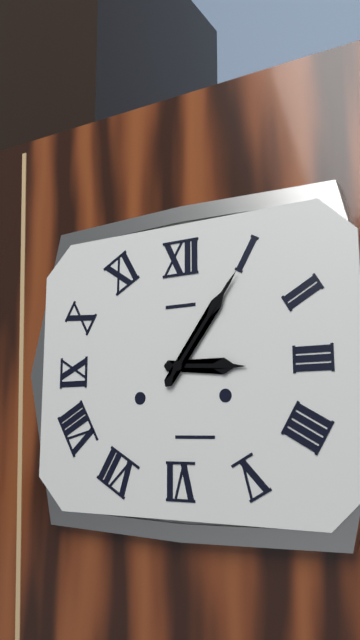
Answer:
3:06
